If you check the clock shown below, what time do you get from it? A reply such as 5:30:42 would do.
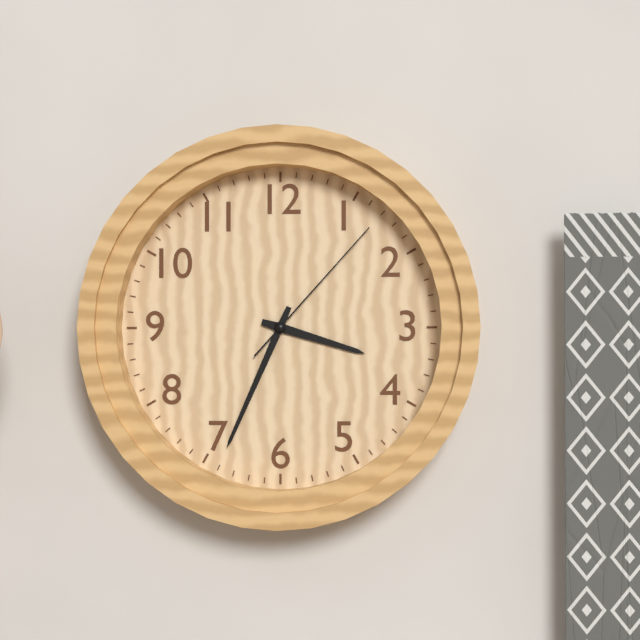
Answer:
3:34:07
